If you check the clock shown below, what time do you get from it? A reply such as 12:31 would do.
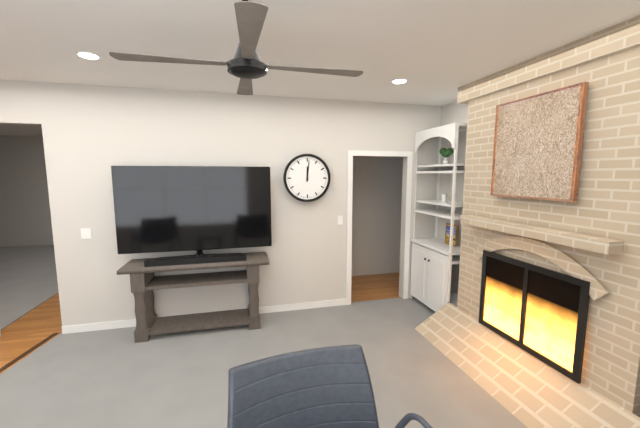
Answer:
12:01
